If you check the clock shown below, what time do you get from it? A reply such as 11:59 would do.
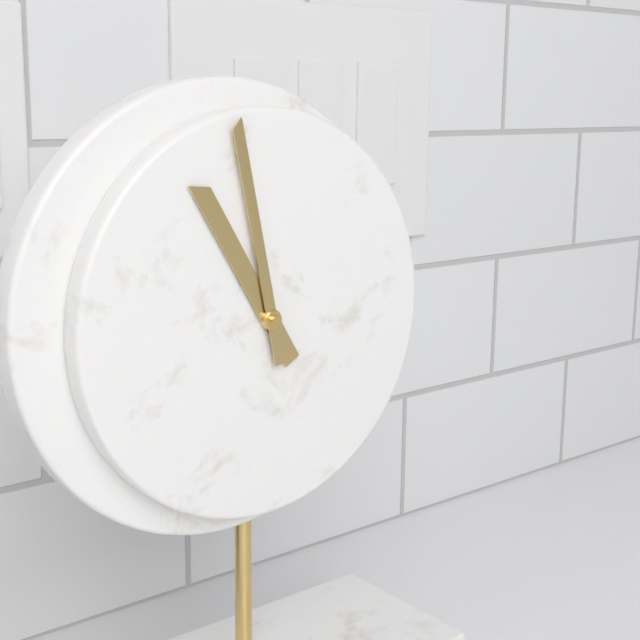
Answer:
10:58
